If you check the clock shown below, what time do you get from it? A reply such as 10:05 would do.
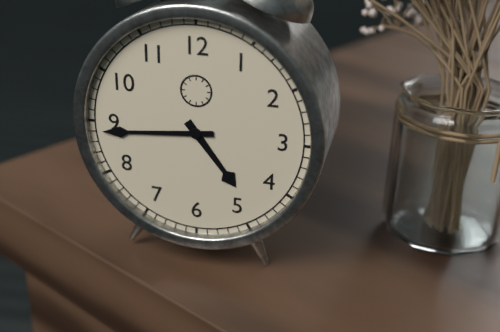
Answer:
4:44
